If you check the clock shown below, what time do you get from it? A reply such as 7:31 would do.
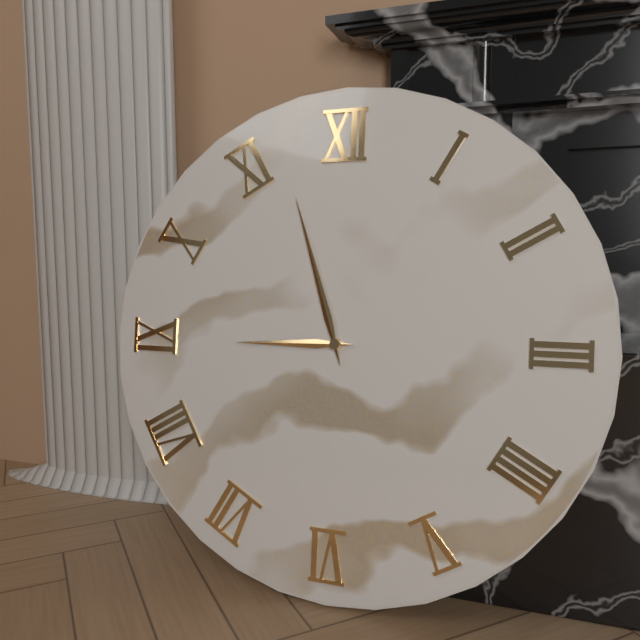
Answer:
8:57
